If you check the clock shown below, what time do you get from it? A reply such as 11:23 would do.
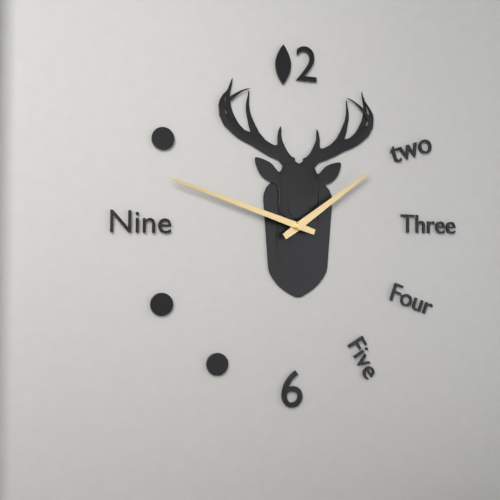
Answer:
1:48
